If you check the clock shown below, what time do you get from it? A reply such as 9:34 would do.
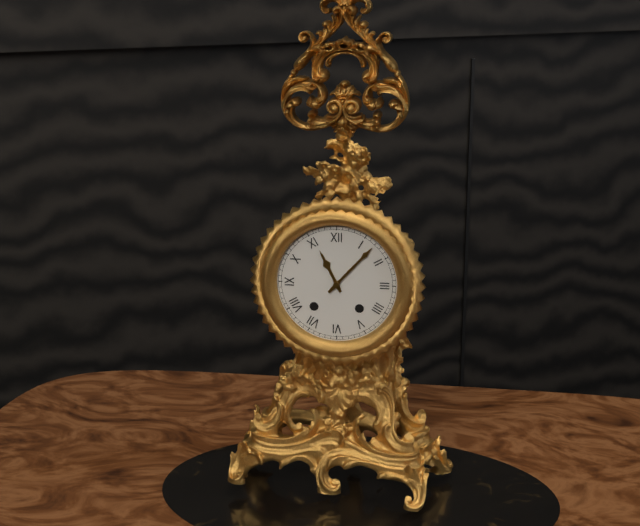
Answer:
11:07
